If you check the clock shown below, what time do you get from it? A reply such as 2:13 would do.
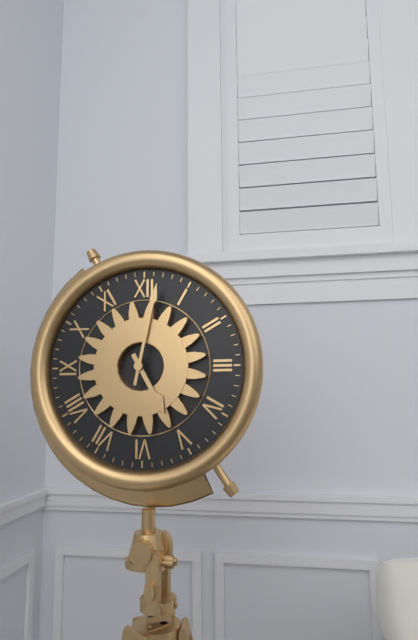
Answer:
5:02
